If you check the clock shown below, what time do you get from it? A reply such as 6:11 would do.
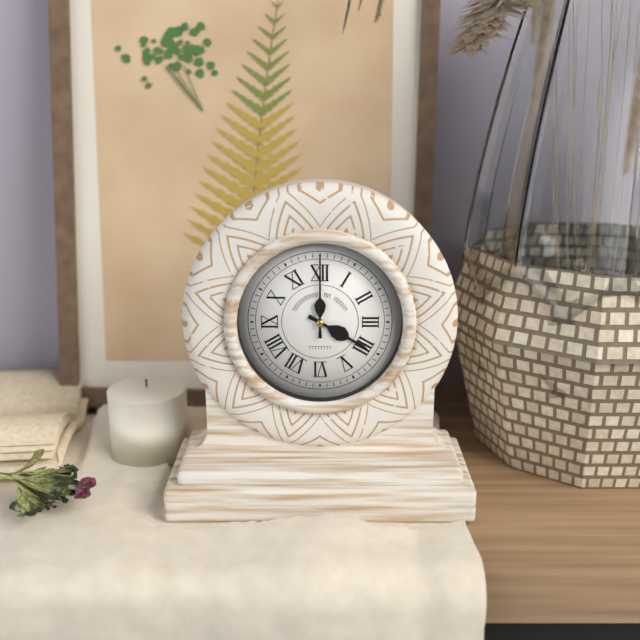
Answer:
4:00
